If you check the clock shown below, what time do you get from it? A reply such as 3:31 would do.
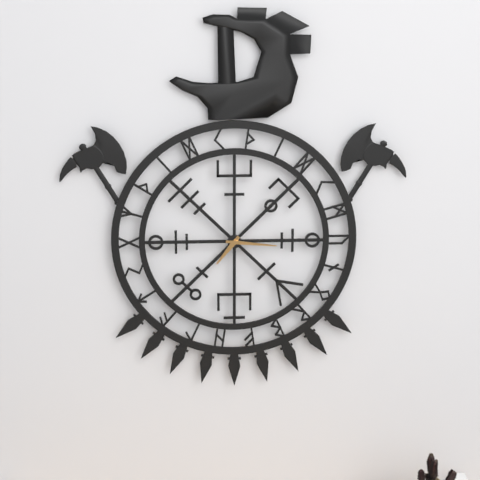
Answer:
7:16
